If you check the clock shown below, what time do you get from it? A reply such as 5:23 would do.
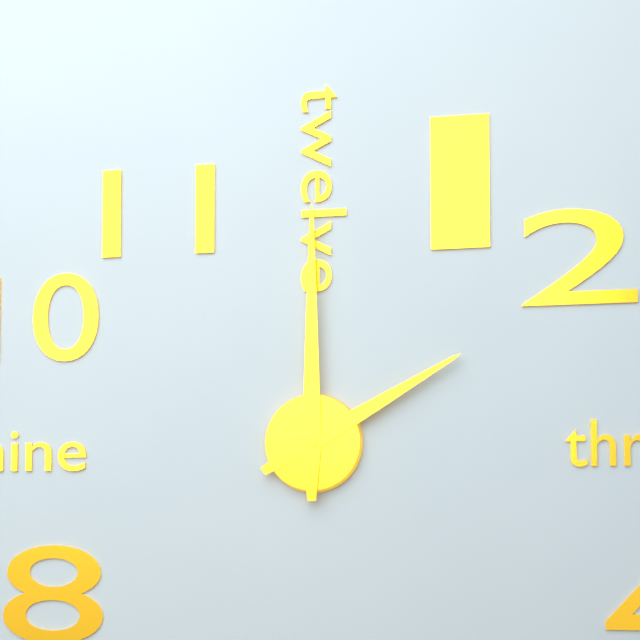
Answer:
2:00
